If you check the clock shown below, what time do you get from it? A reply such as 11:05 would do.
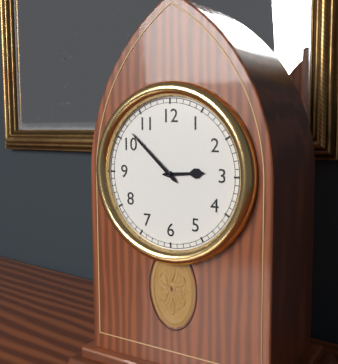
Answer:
2:52
